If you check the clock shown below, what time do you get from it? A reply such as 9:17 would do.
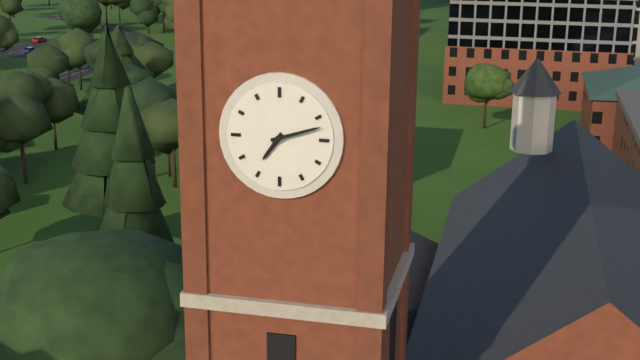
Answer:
7:12
